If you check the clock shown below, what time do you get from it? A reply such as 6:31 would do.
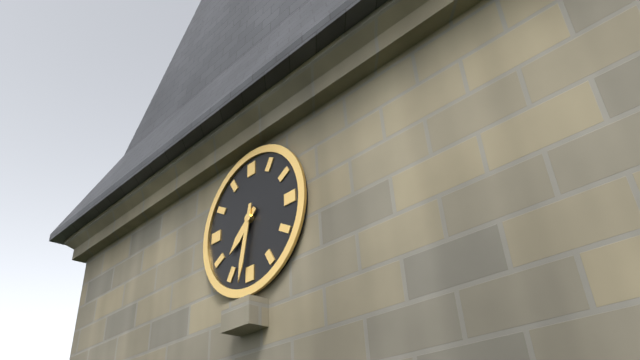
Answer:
7:32
